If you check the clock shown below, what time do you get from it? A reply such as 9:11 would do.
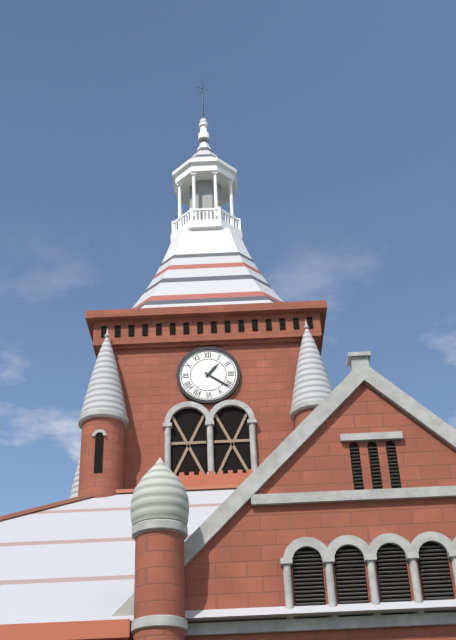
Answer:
1:21
